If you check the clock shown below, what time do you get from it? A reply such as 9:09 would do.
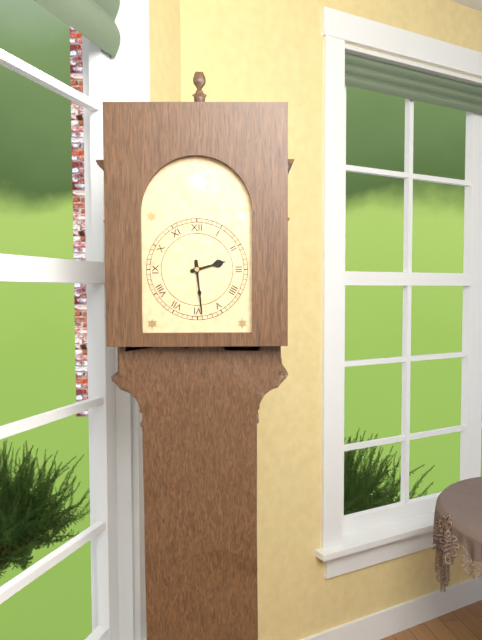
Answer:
2:29
